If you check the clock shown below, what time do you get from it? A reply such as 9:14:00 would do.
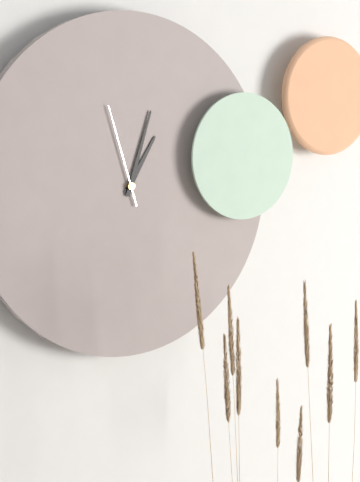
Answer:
1:03:57
